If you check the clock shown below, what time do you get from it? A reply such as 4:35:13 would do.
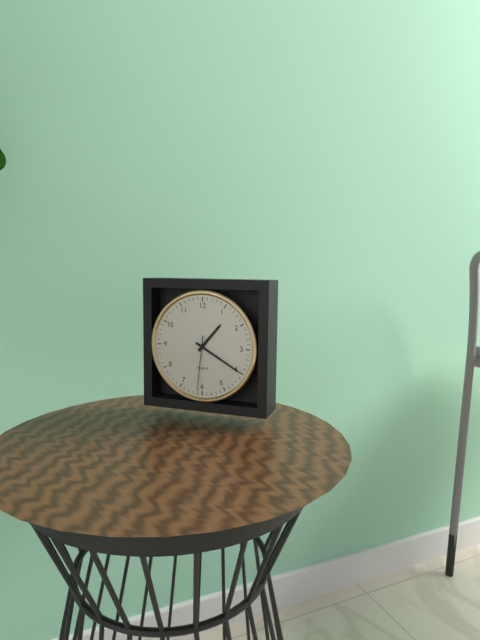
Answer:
1:20:31
